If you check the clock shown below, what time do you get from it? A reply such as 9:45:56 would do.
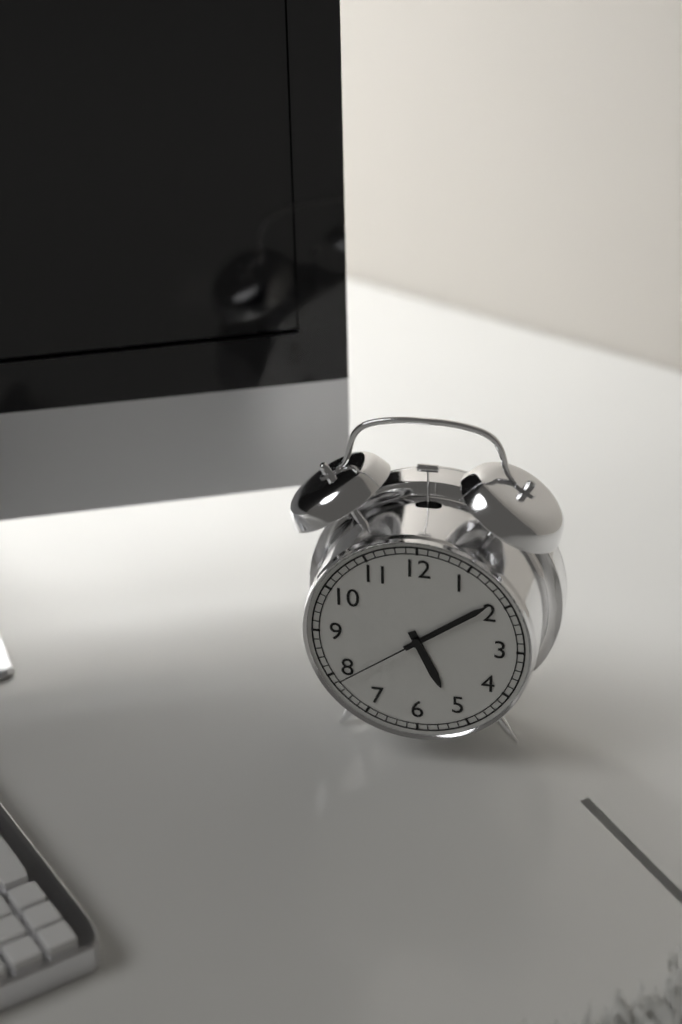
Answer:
5:09:39
